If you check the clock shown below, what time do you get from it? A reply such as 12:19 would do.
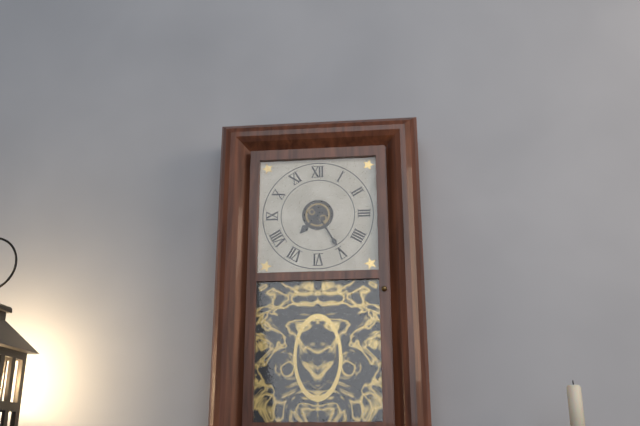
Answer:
7:25
